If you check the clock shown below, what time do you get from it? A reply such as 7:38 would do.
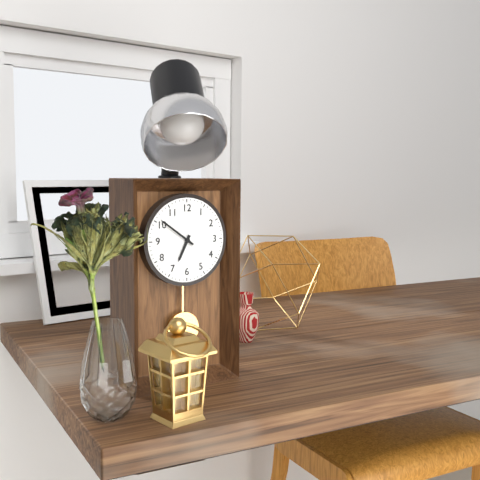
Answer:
6:51
